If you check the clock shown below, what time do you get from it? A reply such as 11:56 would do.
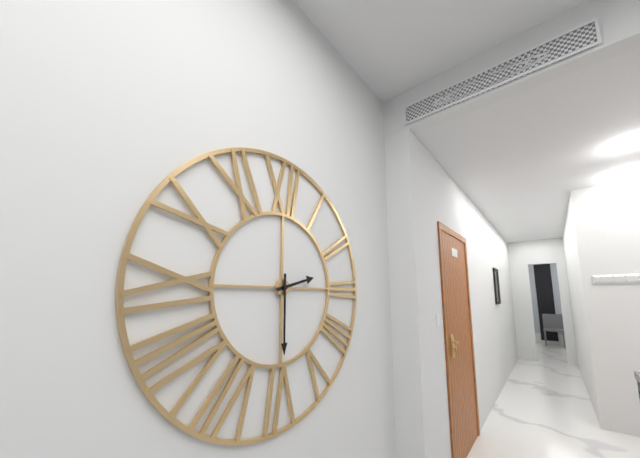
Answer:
2:30
